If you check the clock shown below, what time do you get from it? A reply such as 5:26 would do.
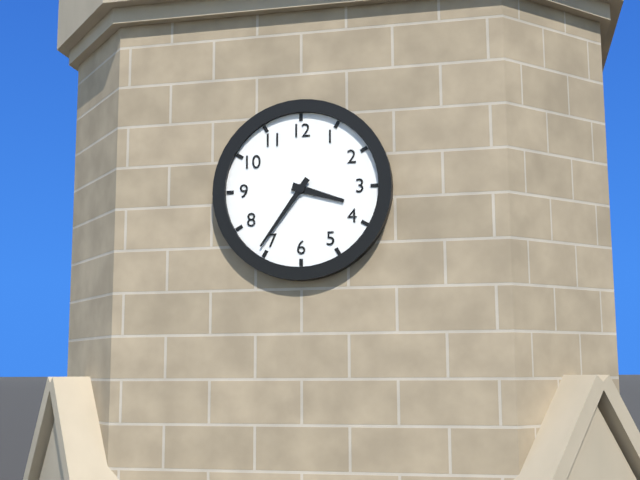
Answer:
3:36
